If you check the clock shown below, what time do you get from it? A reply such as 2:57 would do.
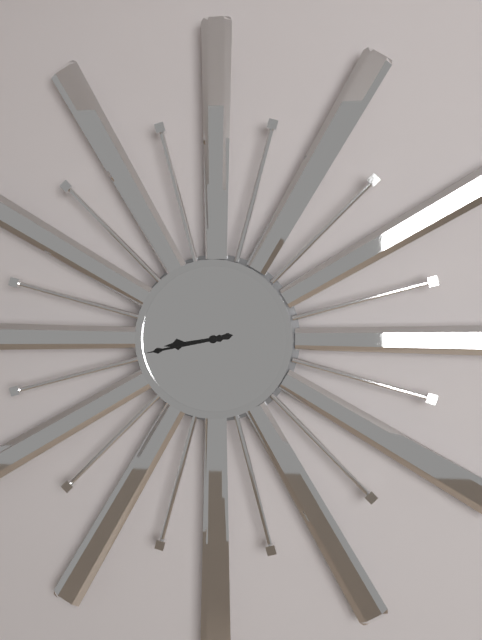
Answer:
8:43
